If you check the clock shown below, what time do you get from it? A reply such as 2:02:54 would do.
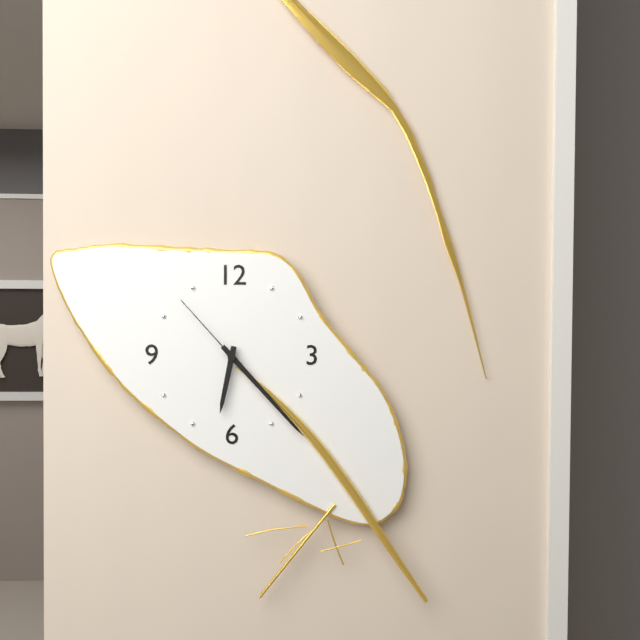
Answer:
6:23:53
